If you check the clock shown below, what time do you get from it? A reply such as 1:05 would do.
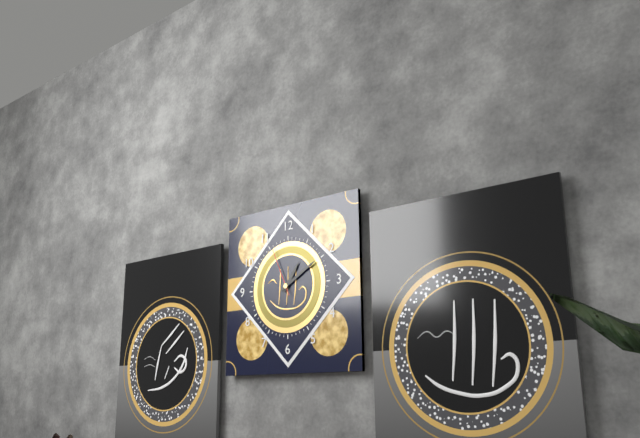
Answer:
1:10
